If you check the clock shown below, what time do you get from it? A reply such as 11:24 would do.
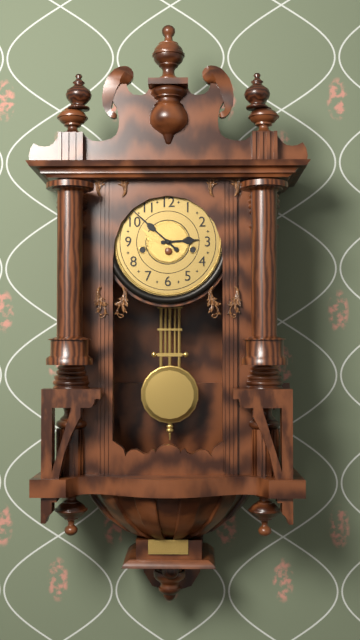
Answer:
2:52
